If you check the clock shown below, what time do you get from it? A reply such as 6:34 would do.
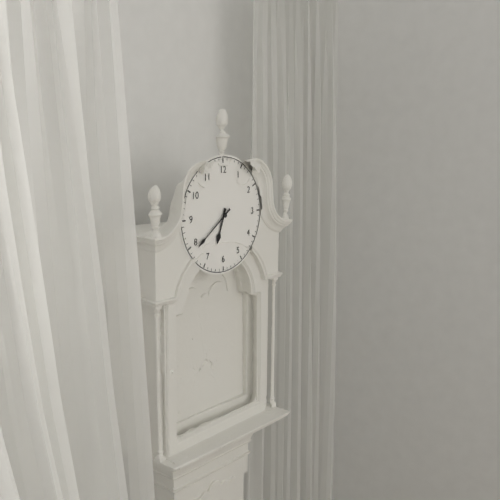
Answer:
6:39
